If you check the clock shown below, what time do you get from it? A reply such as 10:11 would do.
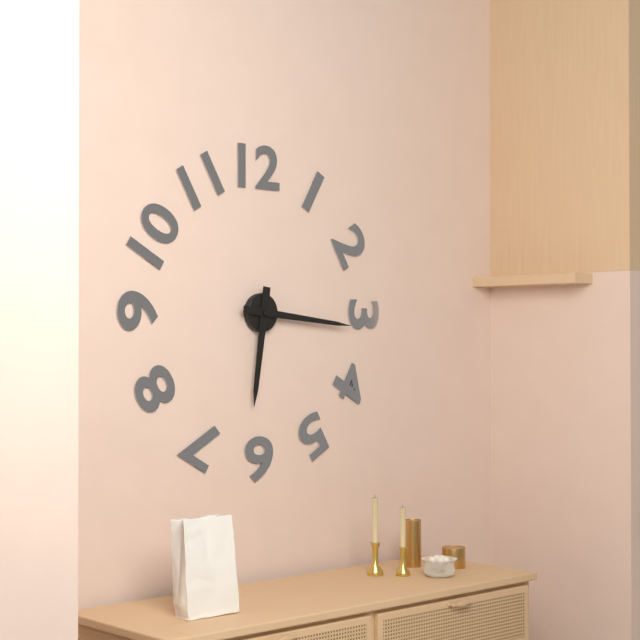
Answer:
6:16
